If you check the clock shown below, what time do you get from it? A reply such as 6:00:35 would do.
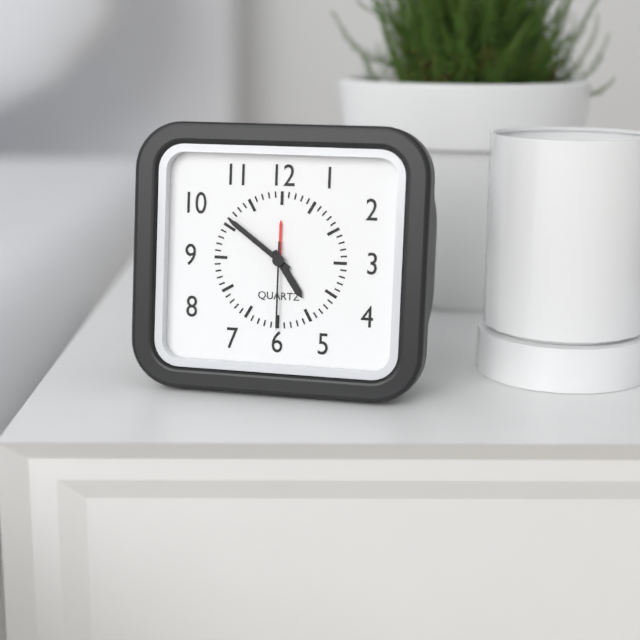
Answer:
4:51:30
